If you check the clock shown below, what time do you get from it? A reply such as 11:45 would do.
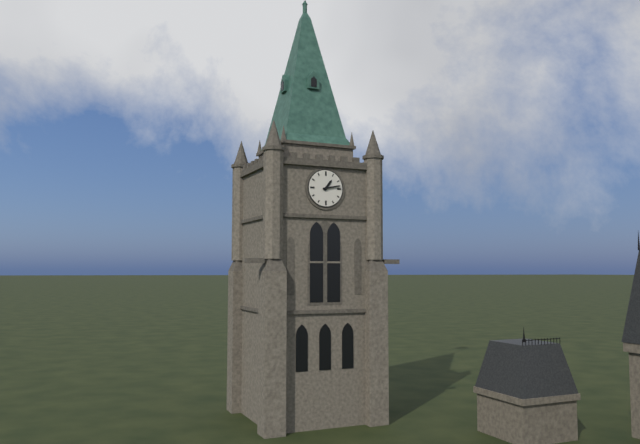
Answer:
1:13
